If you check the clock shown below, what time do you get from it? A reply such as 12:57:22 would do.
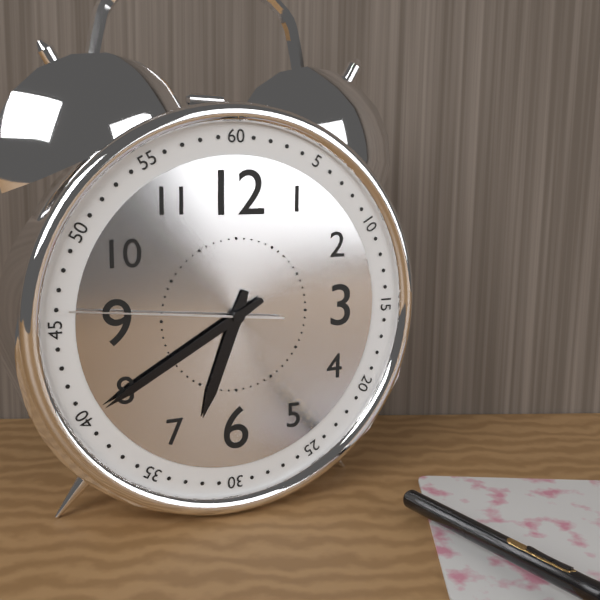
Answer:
6:40:46
